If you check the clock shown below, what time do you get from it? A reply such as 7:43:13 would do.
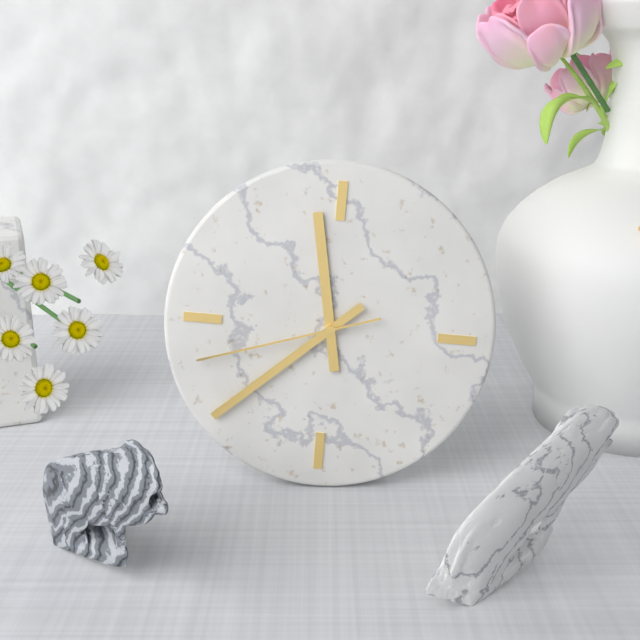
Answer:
11:38:42
